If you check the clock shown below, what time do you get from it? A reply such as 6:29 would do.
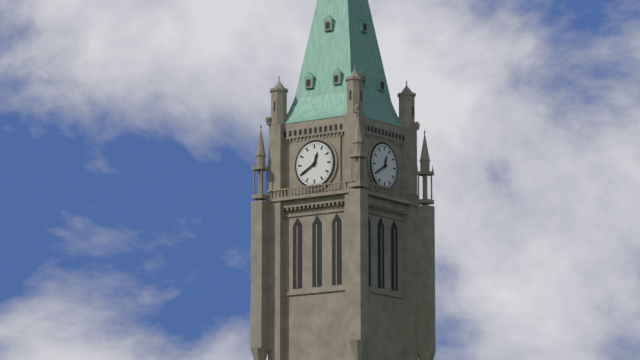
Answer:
12:40
